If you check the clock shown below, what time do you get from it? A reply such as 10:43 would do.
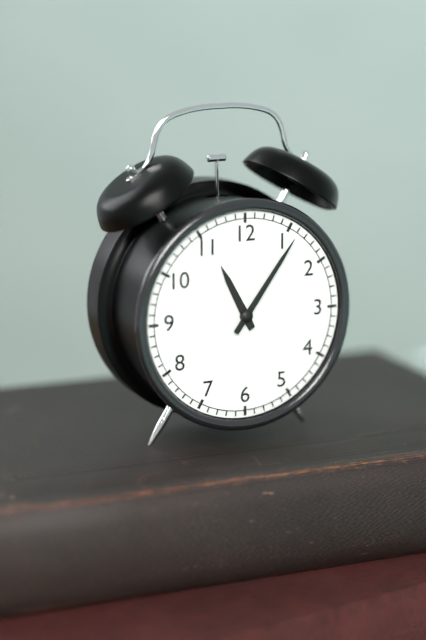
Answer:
11:06
